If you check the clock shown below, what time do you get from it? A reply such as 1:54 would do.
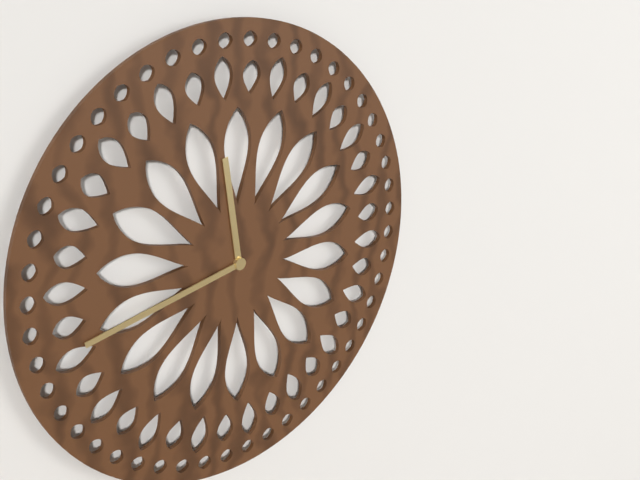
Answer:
11:43
